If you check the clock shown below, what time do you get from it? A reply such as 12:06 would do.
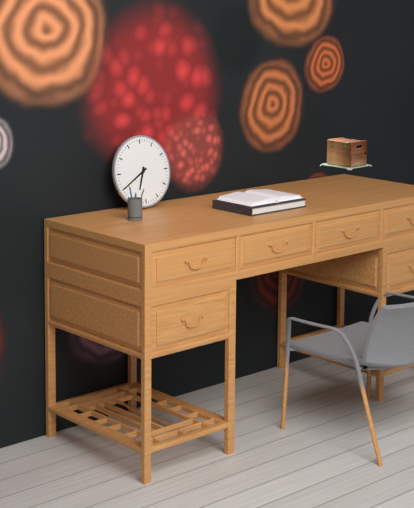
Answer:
6:40
